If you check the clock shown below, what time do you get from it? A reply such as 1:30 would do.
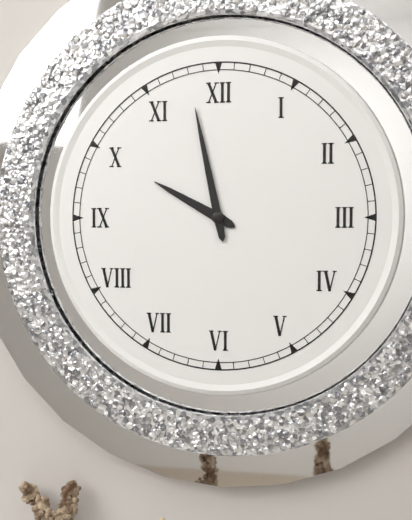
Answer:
9:58
